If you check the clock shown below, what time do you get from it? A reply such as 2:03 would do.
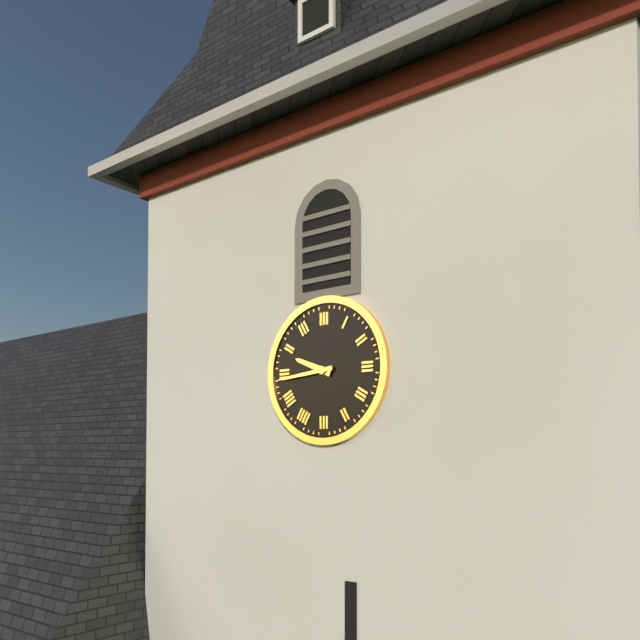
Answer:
9:44
